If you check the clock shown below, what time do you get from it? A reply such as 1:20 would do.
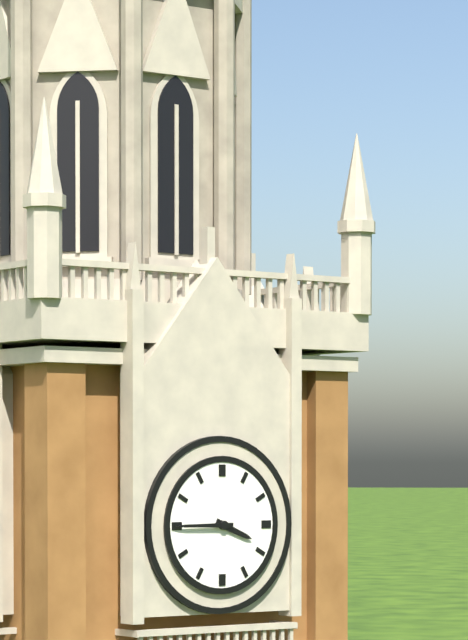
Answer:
3:45
